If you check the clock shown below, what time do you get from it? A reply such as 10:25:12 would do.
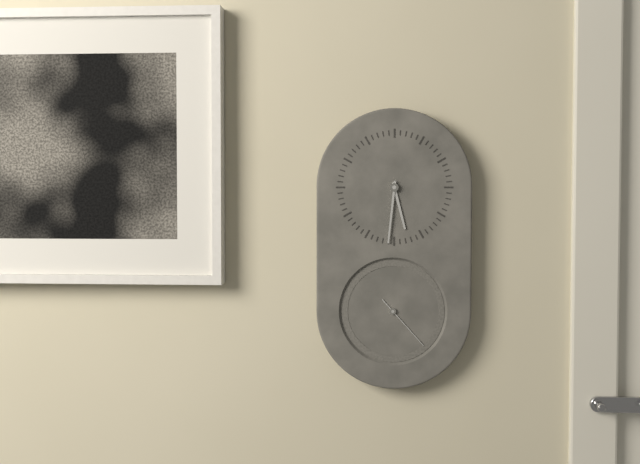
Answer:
5:31:23
